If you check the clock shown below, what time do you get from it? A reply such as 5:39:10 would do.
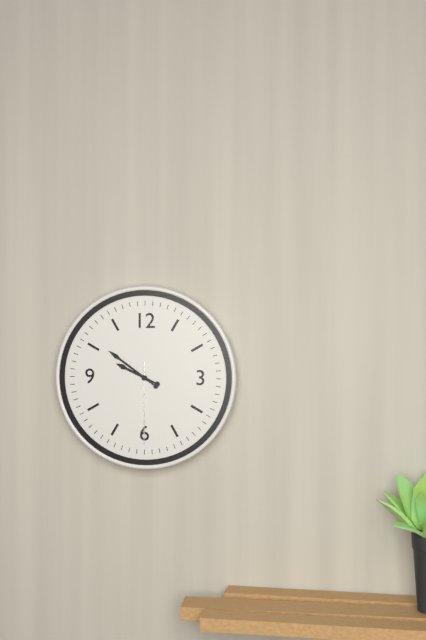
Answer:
9:51:30
